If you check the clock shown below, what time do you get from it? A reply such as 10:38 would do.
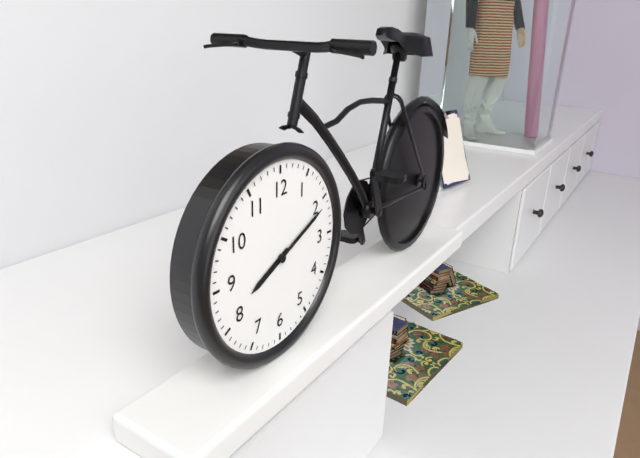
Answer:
8:11
